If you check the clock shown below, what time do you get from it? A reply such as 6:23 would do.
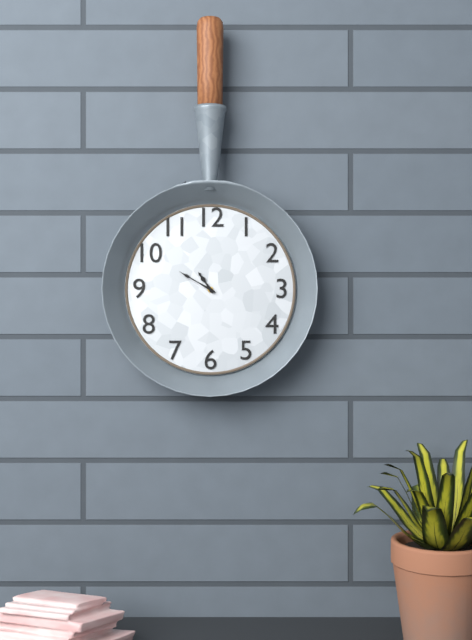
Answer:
10:50
